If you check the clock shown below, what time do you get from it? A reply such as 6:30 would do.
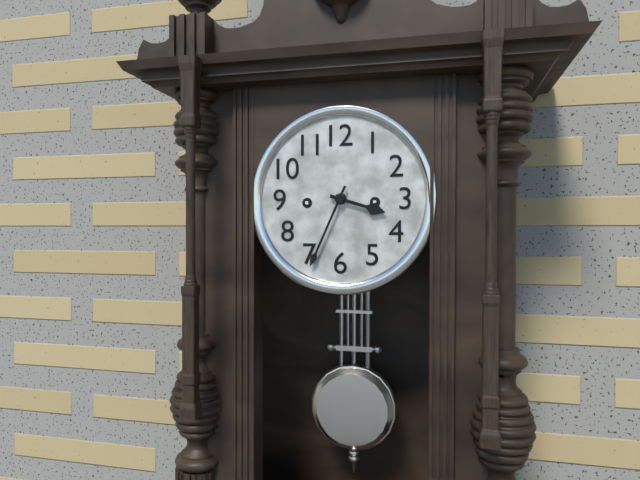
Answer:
3:34
